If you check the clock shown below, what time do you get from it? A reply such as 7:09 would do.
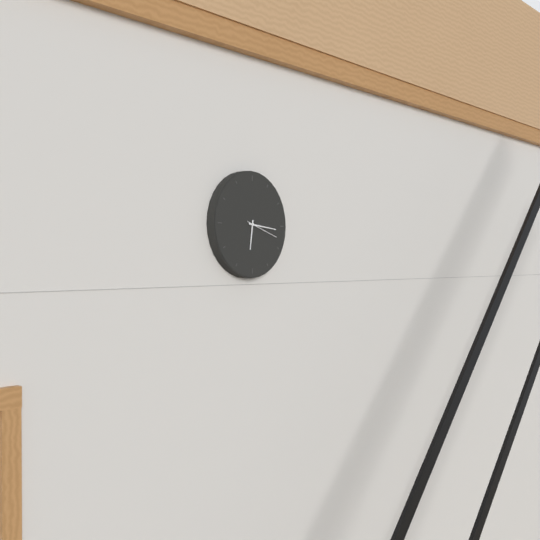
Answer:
6:16
